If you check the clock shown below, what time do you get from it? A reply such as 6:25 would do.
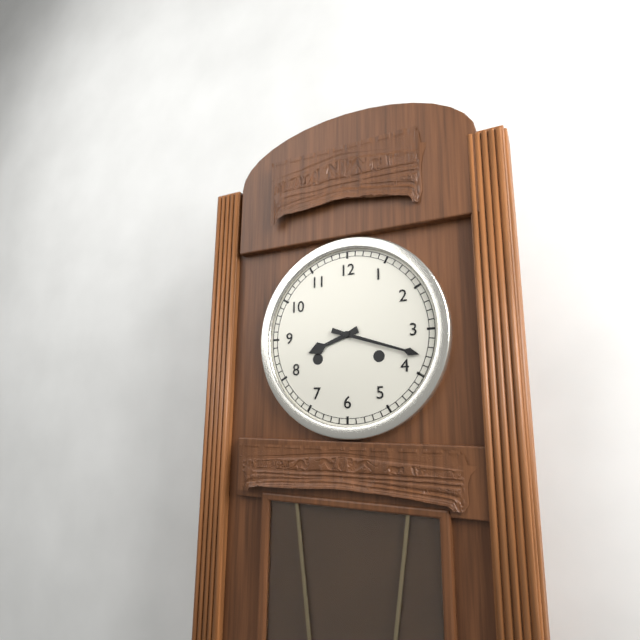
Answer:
8:18
